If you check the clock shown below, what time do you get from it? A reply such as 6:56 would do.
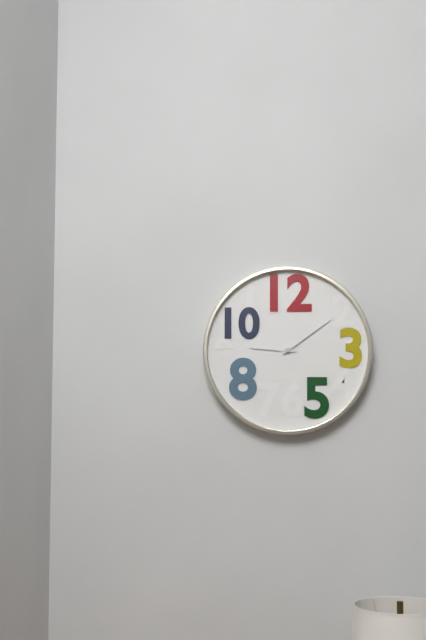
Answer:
9:09
